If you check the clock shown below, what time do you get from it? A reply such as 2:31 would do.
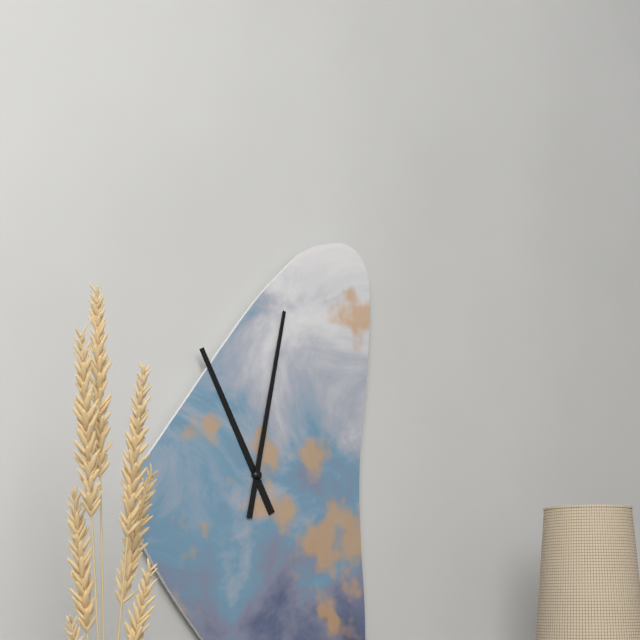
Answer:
11:02
